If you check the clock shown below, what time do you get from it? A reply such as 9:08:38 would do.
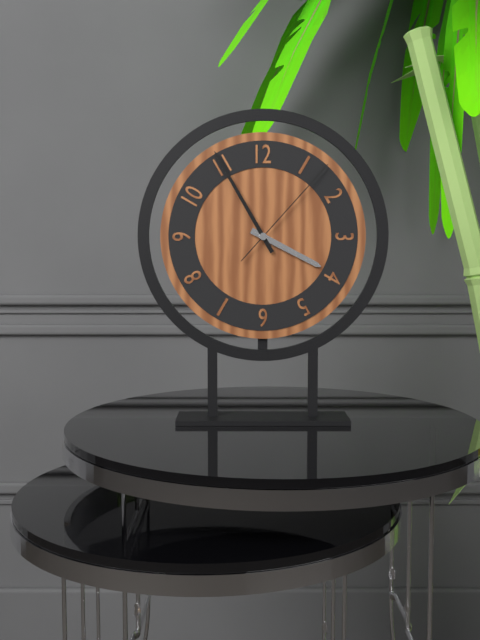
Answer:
3:55:07
